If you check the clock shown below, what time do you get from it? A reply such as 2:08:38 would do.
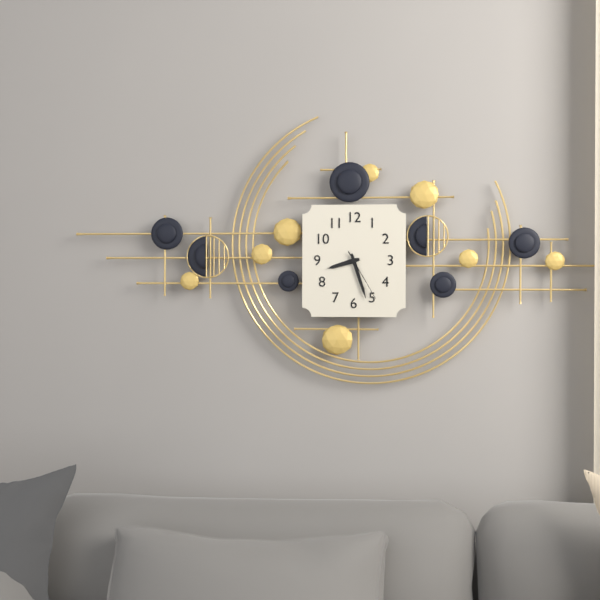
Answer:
8:27:25
